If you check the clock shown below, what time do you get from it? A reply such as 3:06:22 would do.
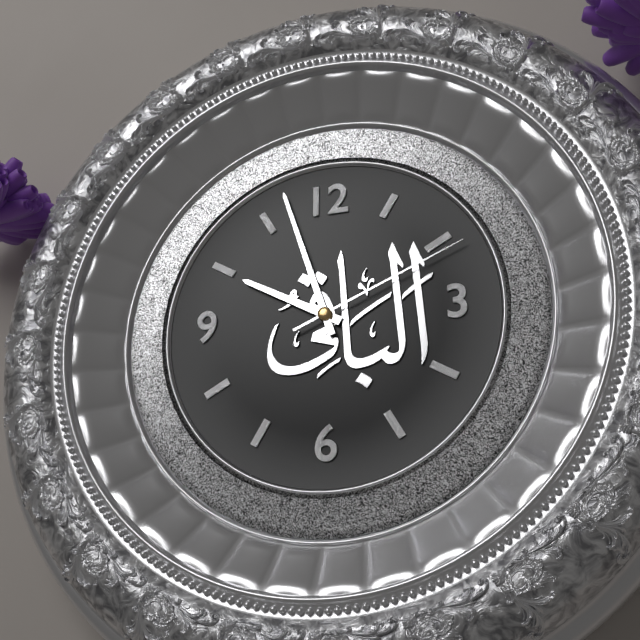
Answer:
9:57:11
